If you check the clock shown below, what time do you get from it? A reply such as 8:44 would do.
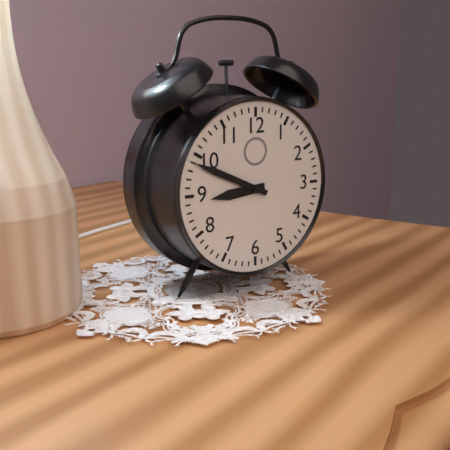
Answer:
8:49
